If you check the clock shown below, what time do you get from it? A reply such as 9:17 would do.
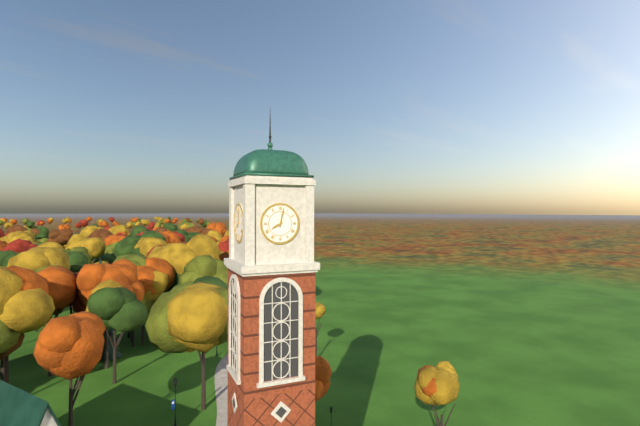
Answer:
8:02
